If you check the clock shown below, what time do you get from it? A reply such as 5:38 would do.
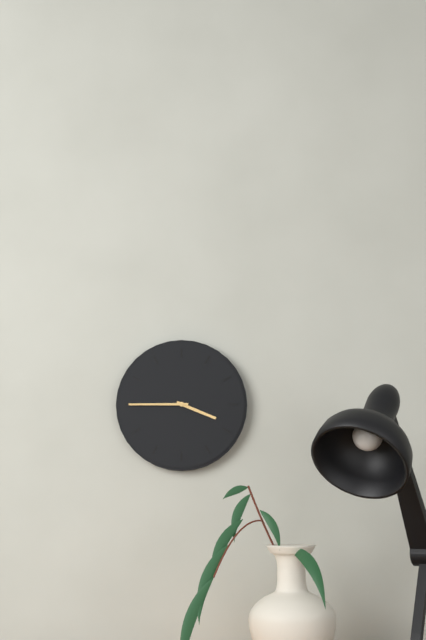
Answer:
3:45
